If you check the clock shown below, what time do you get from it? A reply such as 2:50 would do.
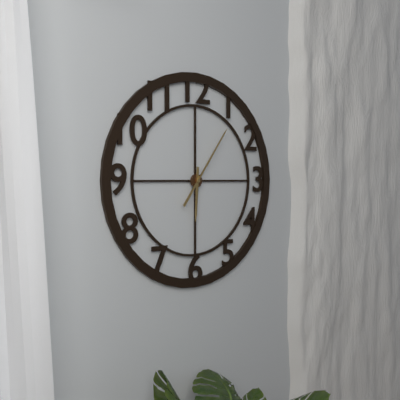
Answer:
6:06
